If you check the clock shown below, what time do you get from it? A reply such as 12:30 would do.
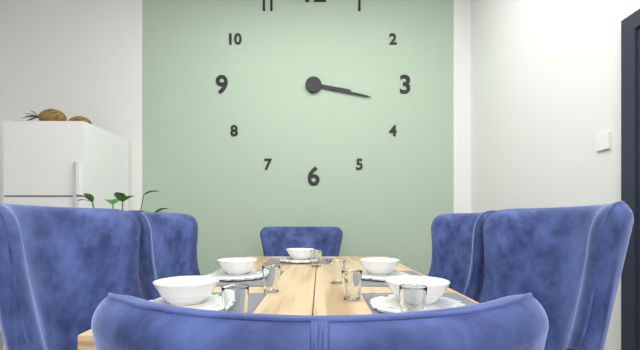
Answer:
3:17
